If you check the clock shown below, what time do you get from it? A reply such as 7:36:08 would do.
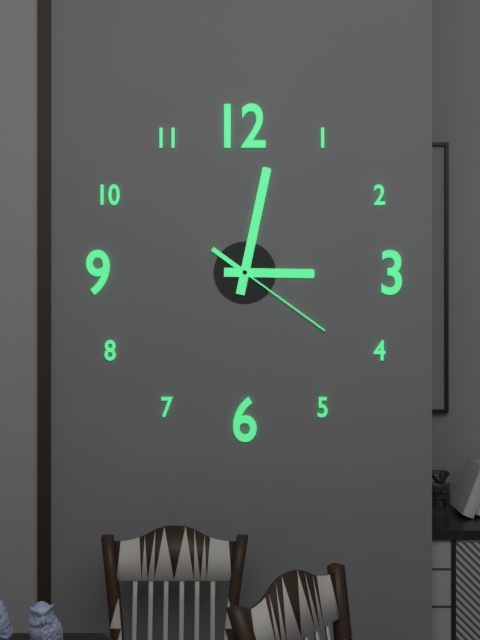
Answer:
3:02:21
